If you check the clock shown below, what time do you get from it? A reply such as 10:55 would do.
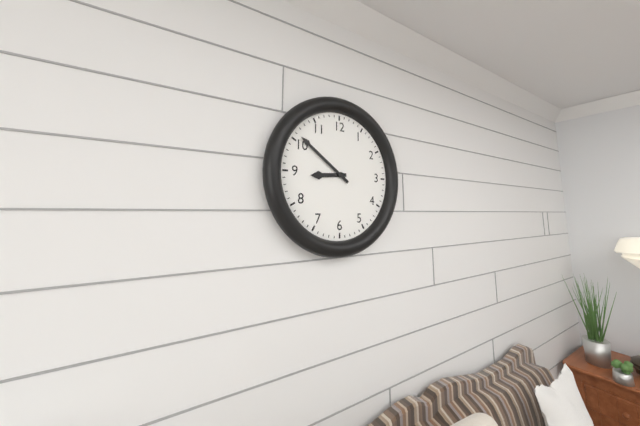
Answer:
8:51
